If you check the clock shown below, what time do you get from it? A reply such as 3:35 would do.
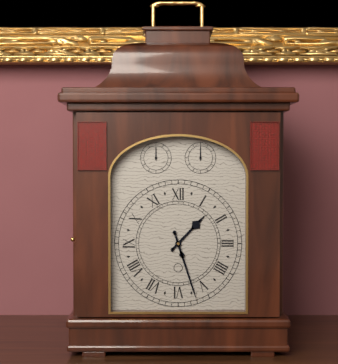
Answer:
1:27
